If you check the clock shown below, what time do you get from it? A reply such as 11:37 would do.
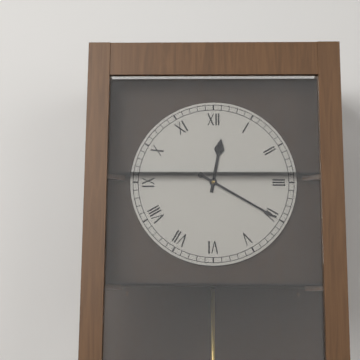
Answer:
12:20
